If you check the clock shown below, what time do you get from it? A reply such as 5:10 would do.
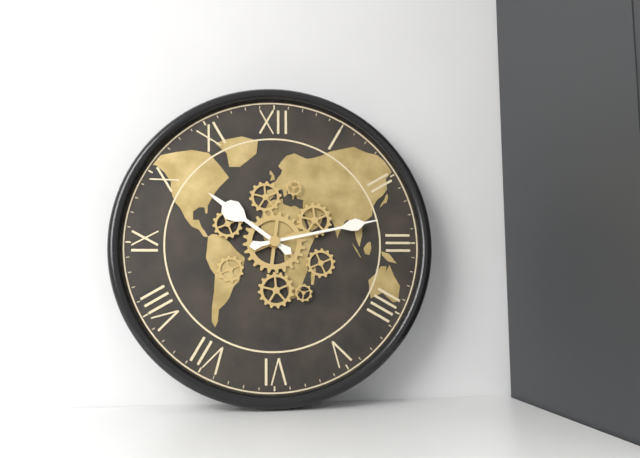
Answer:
10:13
